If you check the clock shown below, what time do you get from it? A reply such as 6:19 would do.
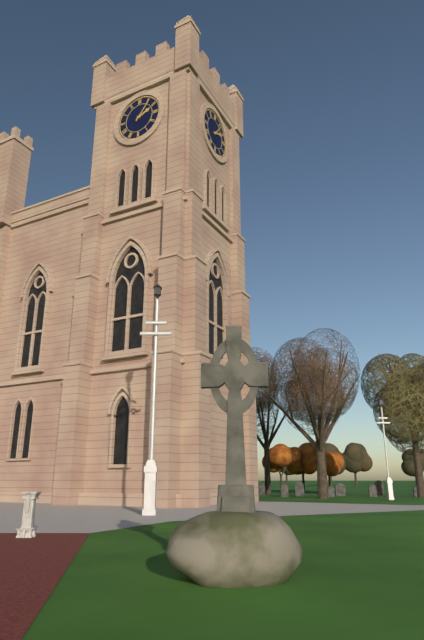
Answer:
2:06
